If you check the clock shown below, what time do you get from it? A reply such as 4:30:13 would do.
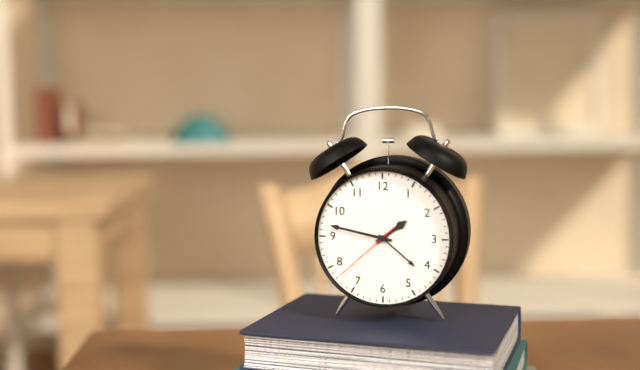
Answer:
1:47:38
